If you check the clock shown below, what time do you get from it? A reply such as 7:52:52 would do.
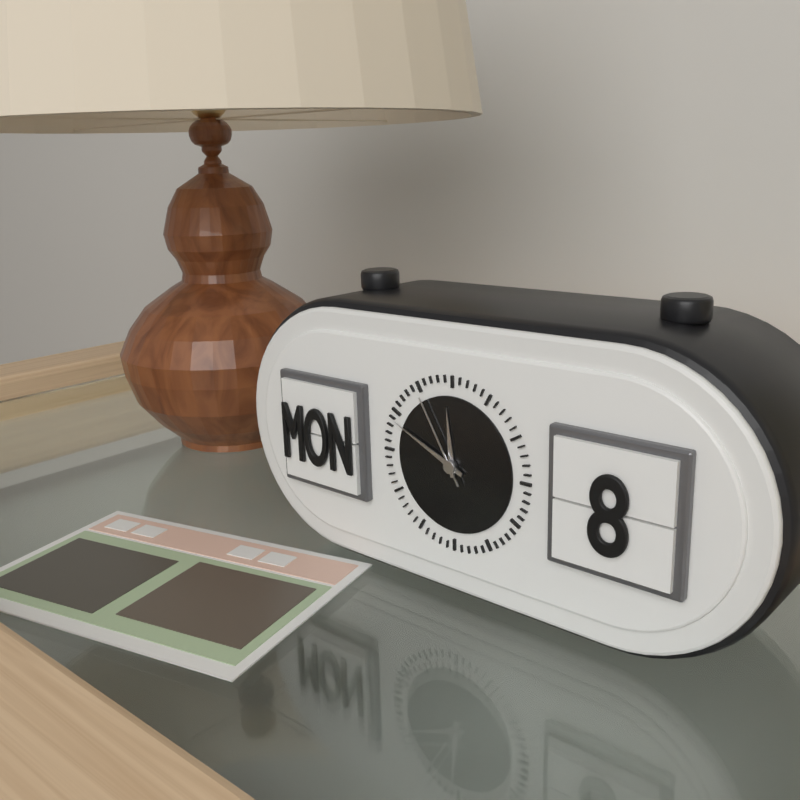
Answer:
11:49:55
